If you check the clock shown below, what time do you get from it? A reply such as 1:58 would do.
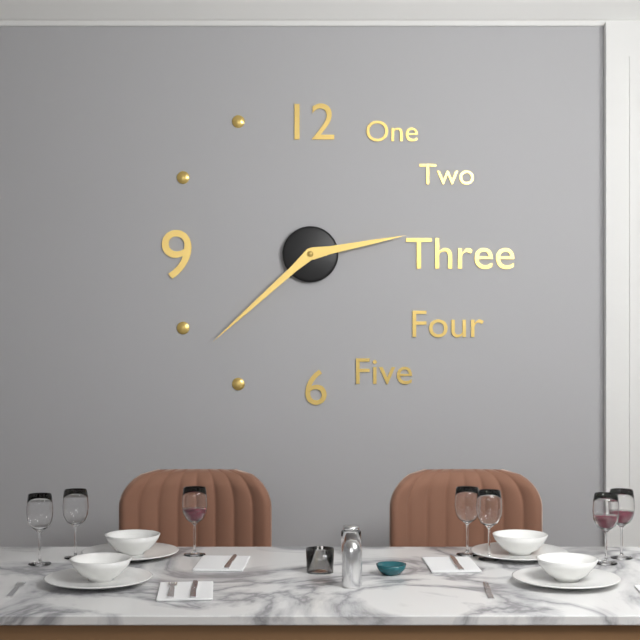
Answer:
2:38
